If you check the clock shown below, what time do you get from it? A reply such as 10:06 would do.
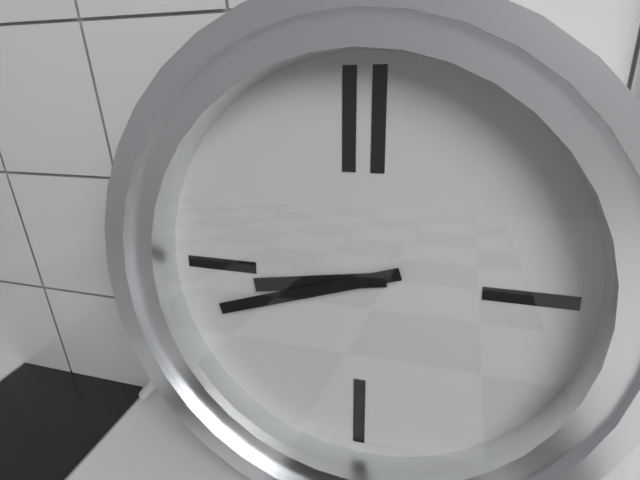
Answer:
8:42
